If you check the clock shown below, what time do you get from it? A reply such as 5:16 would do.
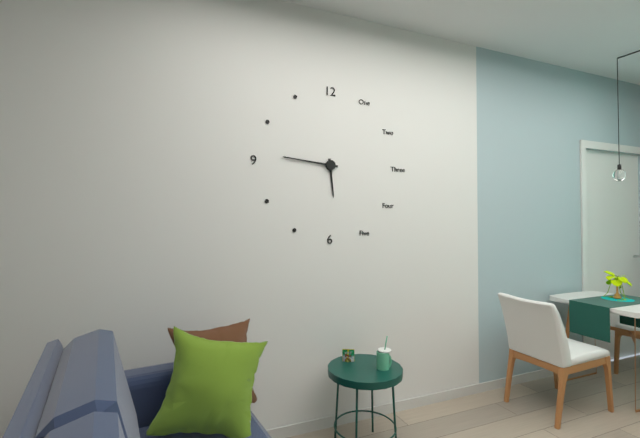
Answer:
5:46
